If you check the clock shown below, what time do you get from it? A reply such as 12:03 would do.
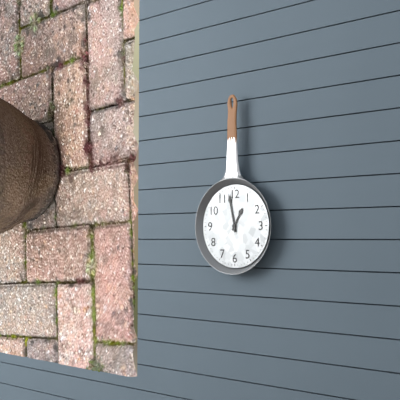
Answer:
12:58
